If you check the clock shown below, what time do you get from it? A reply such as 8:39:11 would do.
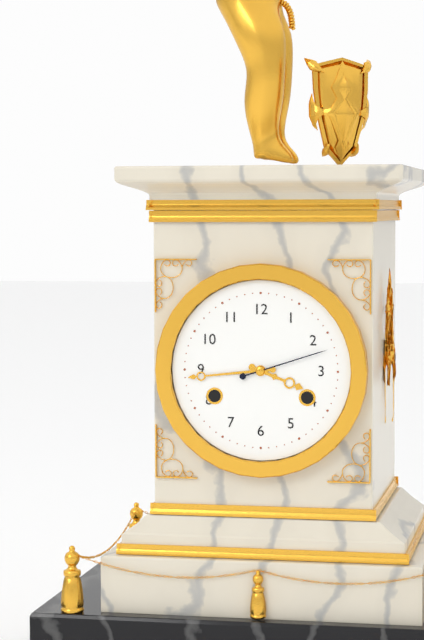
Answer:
3:44:12
